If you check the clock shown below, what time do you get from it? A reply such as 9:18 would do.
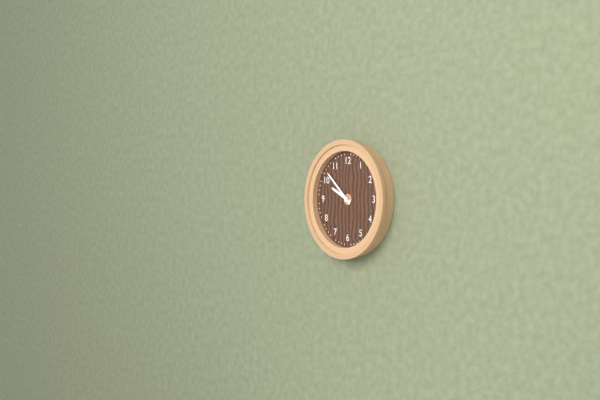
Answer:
9:52
